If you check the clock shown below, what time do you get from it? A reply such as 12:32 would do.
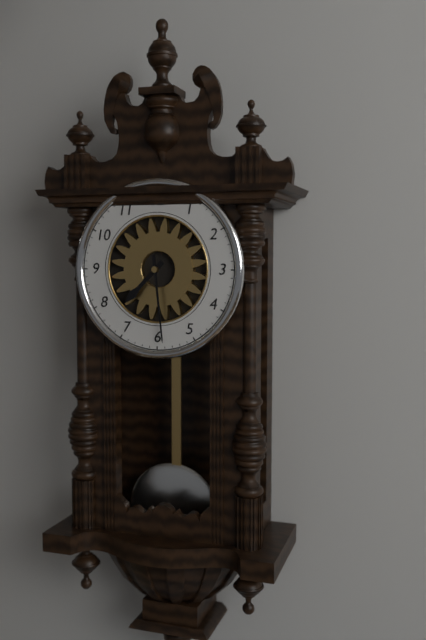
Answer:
7:29
